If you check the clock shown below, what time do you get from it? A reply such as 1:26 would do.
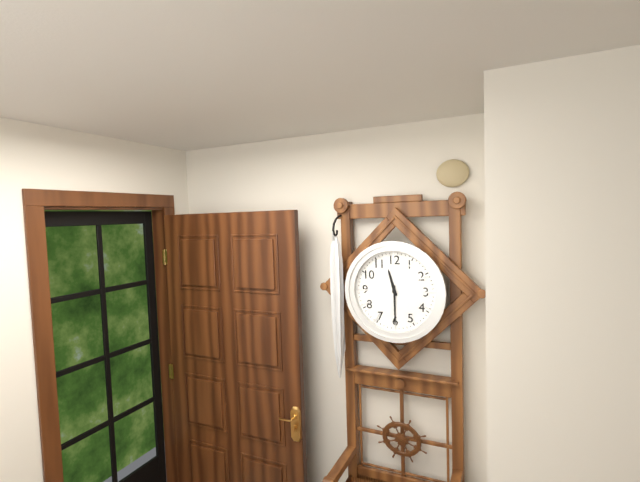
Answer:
11:30
